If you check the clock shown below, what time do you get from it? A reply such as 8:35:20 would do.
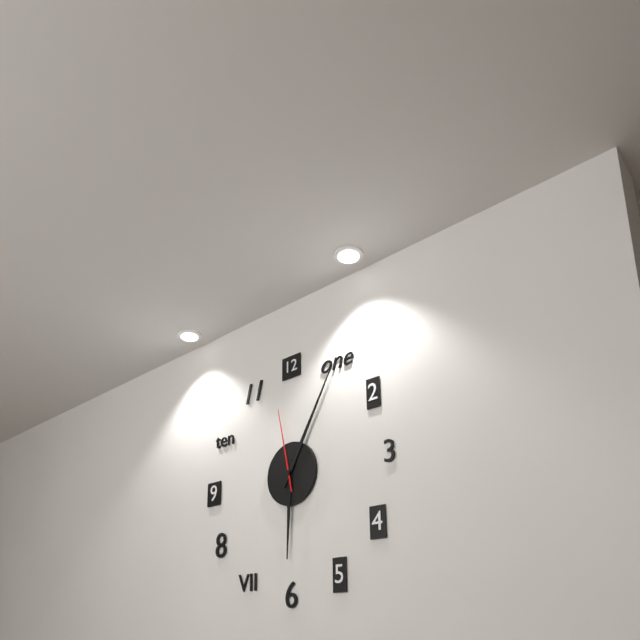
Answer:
6:05:58
